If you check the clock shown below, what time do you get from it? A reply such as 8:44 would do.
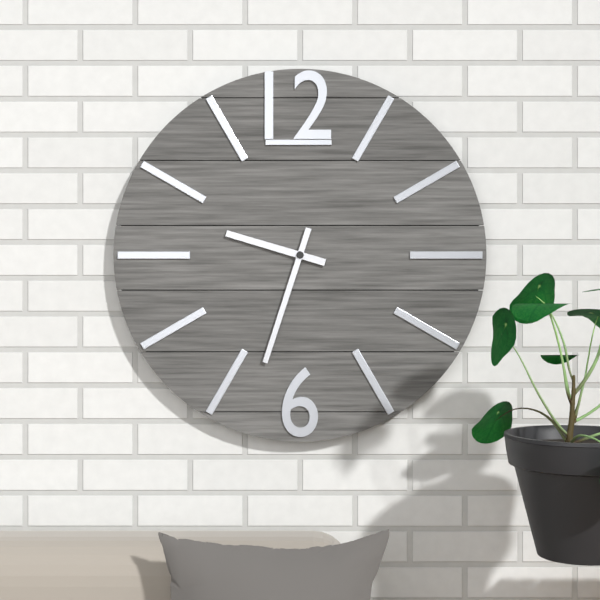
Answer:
9:33
